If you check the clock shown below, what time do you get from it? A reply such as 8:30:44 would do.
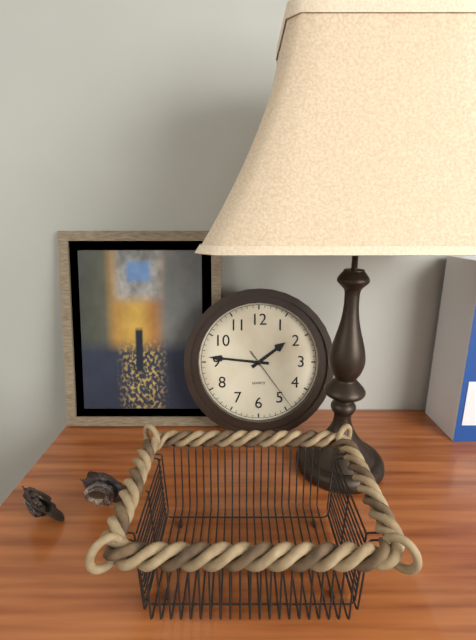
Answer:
1:46:24
